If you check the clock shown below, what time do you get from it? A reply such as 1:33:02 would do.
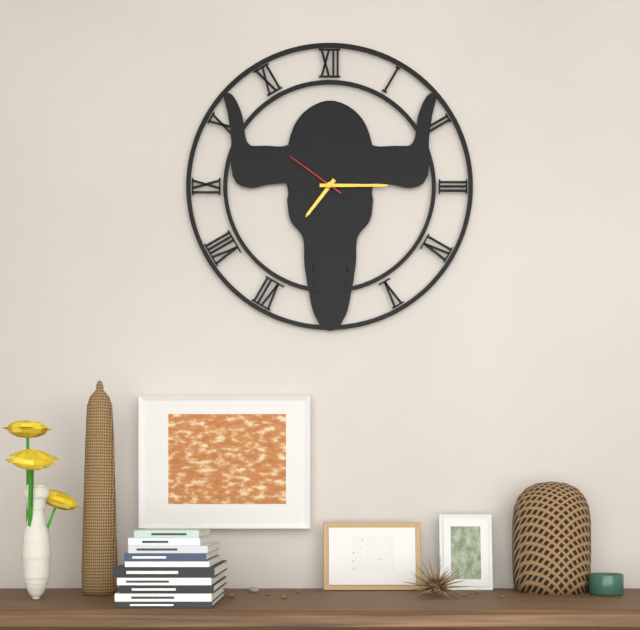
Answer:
7:15:51
